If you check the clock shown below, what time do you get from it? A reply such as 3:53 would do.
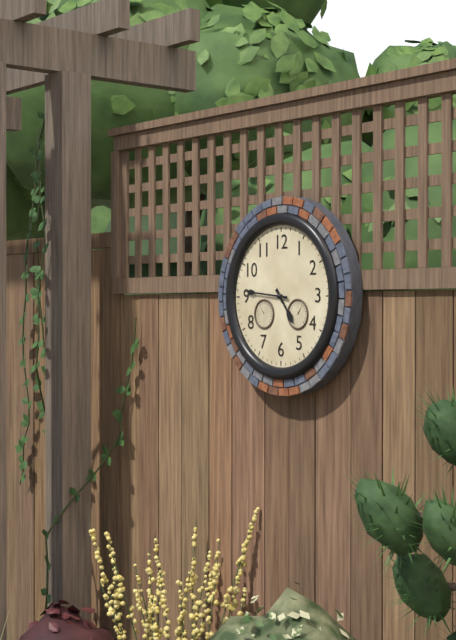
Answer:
4:46
